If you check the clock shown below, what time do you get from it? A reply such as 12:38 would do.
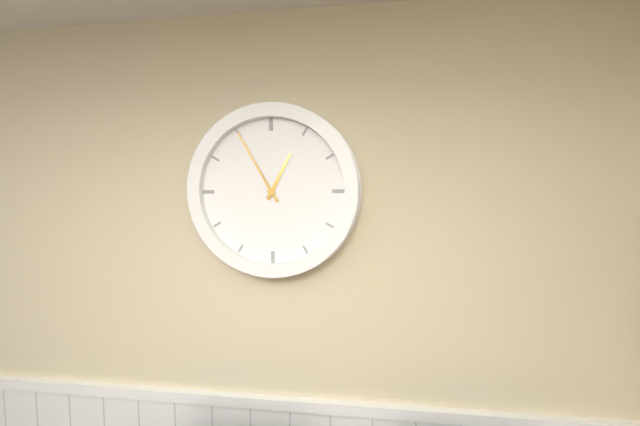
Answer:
12:55
